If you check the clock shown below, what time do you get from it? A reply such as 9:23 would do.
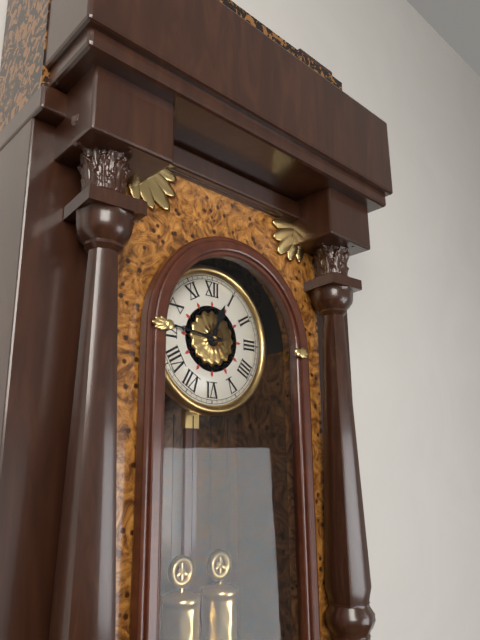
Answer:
12:46
